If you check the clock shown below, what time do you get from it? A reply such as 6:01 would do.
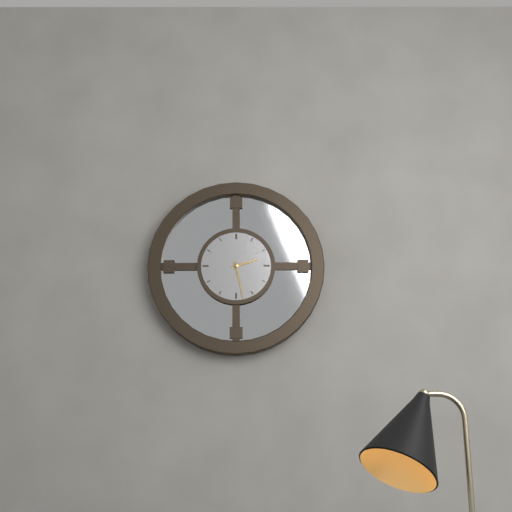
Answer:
2:28
